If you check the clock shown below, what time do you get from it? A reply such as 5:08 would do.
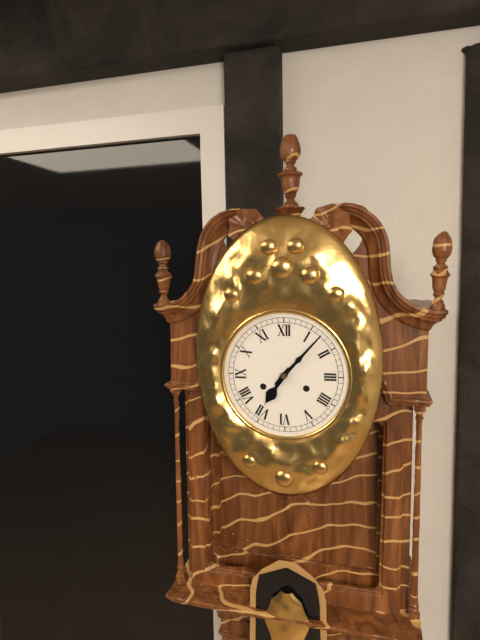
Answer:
7:07
